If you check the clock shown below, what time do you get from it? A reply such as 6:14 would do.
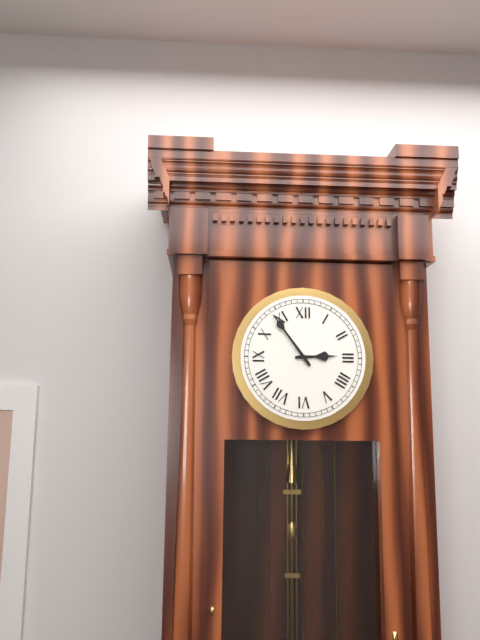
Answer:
2:54
